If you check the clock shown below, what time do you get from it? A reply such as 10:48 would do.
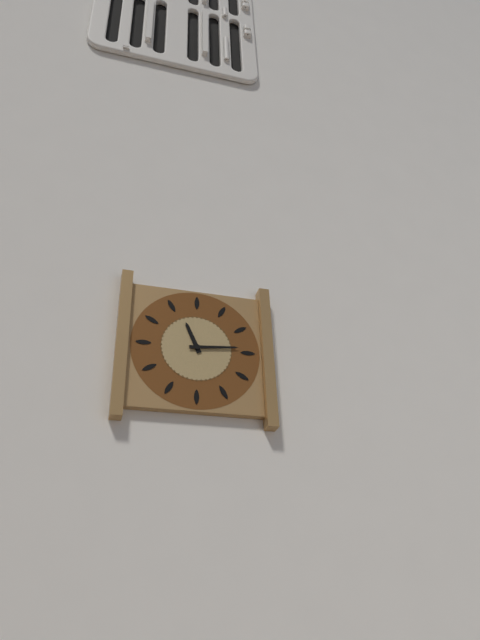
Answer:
11:14
